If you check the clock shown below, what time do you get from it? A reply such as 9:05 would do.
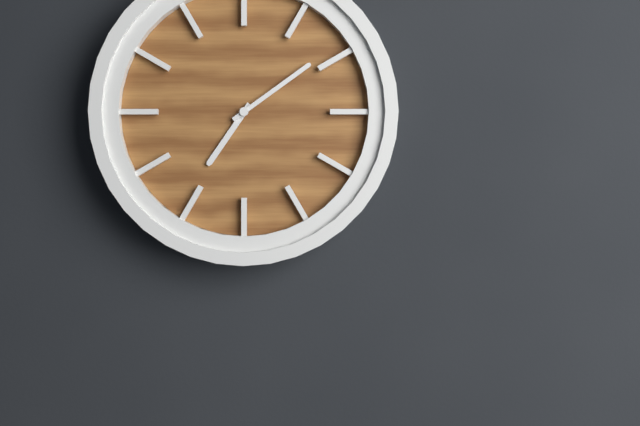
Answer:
7:09
